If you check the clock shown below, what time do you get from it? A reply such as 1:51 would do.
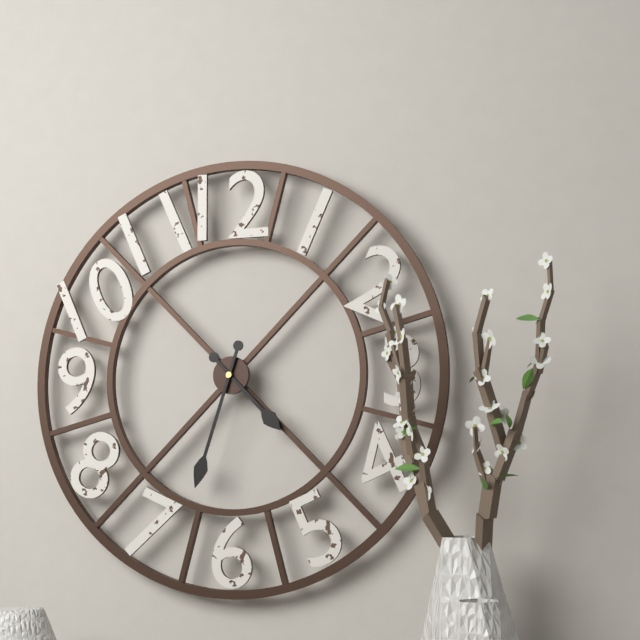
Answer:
4:33
